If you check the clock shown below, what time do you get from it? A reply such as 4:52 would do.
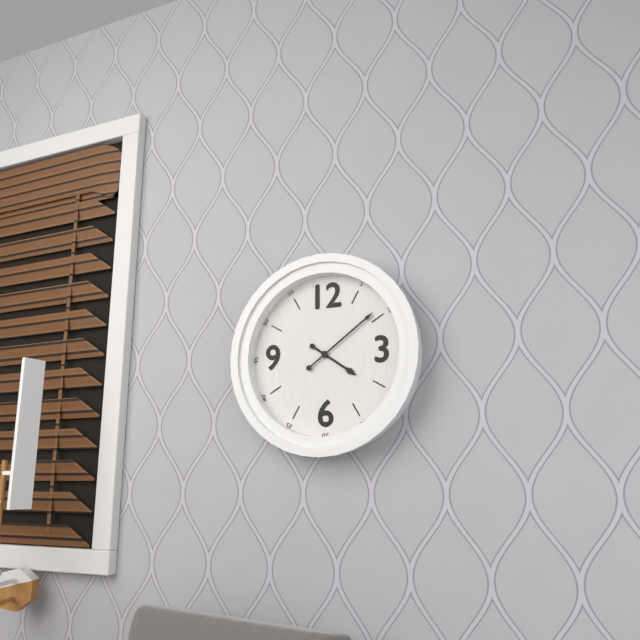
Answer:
4:09
